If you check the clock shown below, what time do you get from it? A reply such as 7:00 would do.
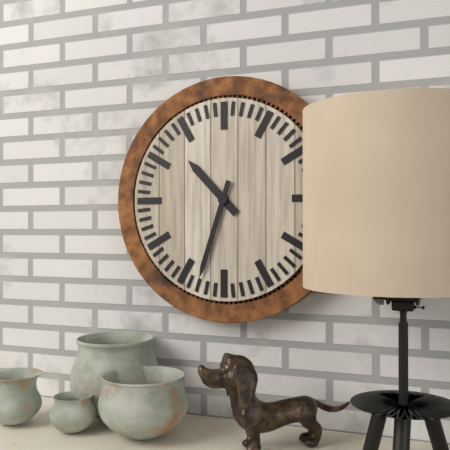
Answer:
10:33
